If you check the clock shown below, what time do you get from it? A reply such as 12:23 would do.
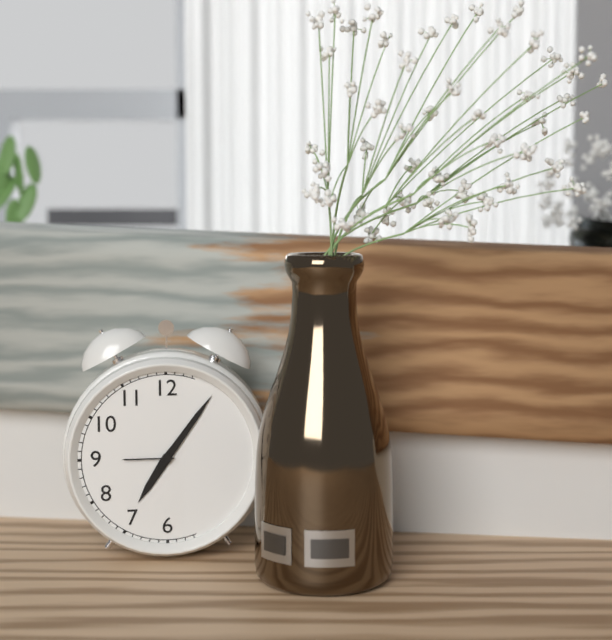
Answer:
7:06
